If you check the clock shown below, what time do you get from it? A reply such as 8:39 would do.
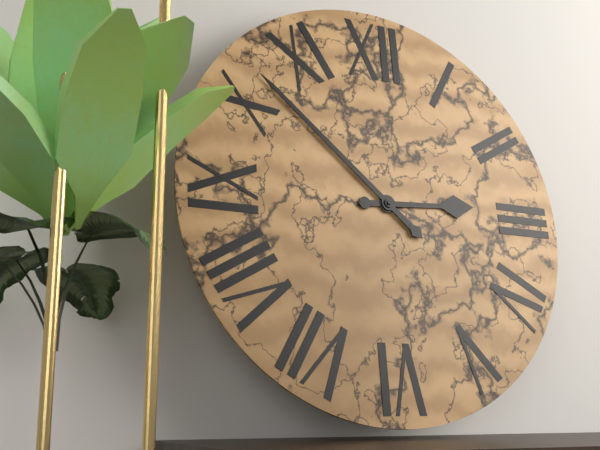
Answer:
2:52
